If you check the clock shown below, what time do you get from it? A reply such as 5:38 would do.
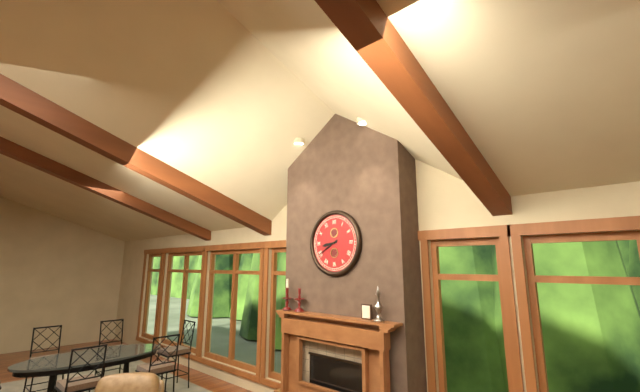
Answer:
8:40
